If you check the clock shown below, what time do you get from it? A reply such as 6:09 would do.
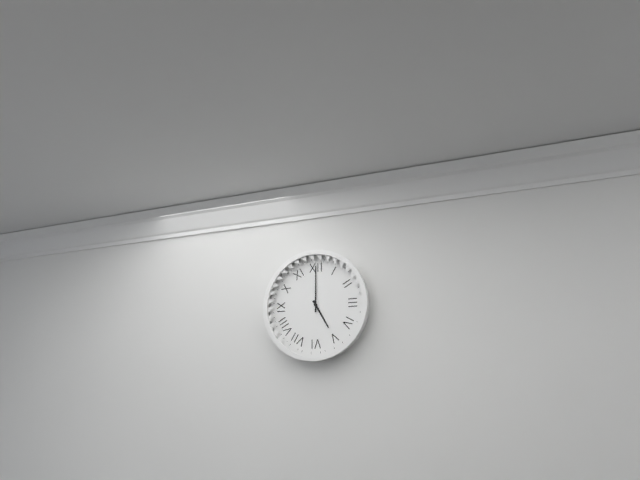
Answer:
5:00
